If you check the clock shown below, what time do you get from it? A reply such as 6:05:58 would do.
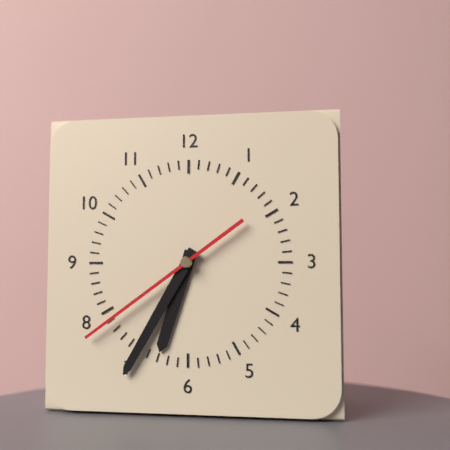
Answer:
6:35:39
